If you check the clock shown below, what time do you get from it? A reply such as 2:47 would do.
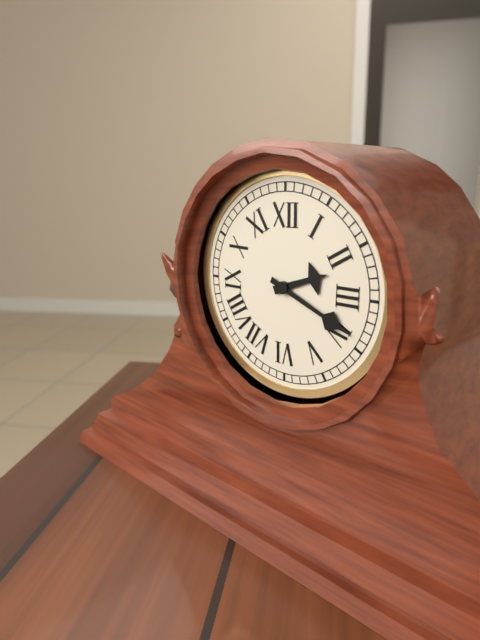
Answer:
2:19
